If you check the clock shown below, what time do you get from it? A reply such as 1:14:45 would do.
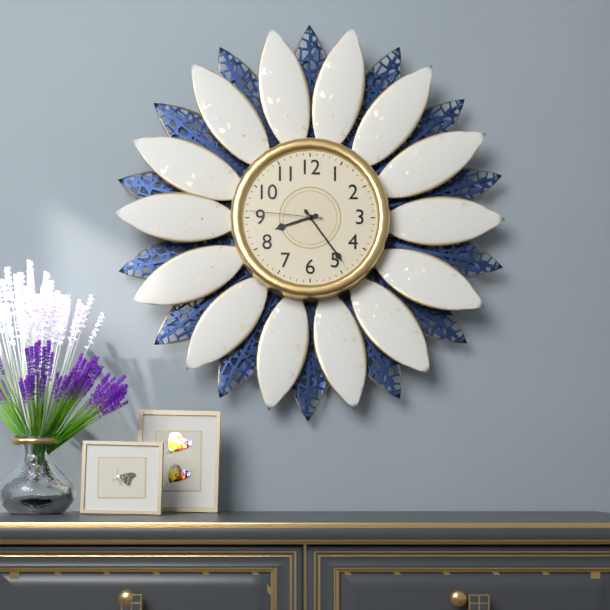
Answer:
8:24:46
